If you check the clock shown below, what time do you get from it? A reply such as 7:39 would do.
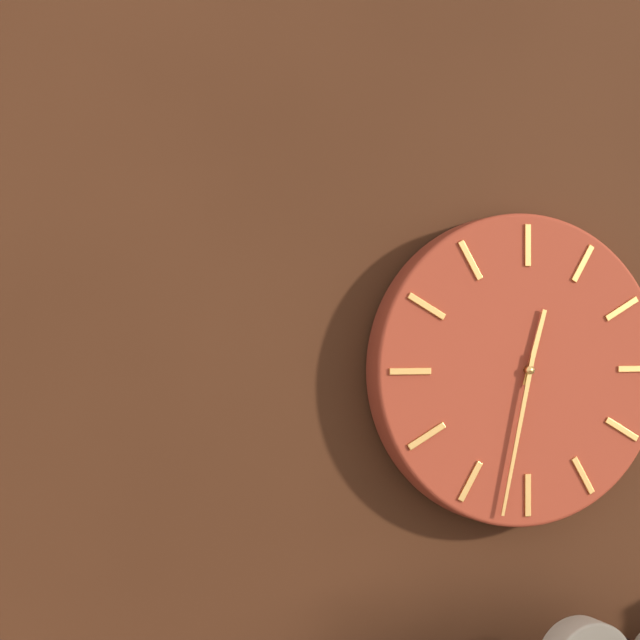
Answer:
12:32
